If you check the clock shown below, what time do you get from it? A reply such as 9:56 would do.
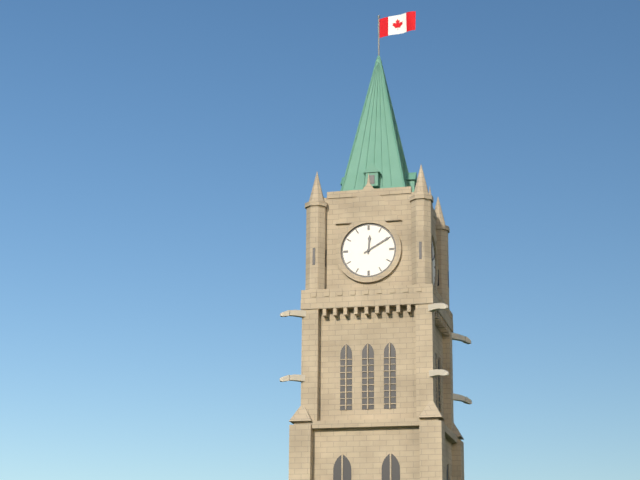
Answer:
12:10
